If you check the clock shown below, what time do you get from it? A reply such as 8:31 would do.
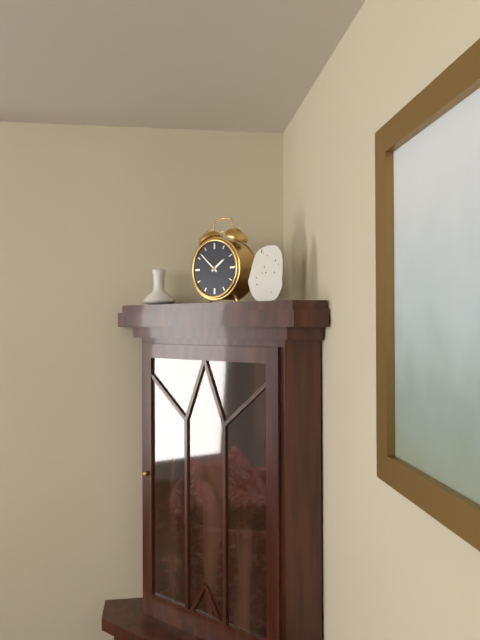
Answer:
1:52
